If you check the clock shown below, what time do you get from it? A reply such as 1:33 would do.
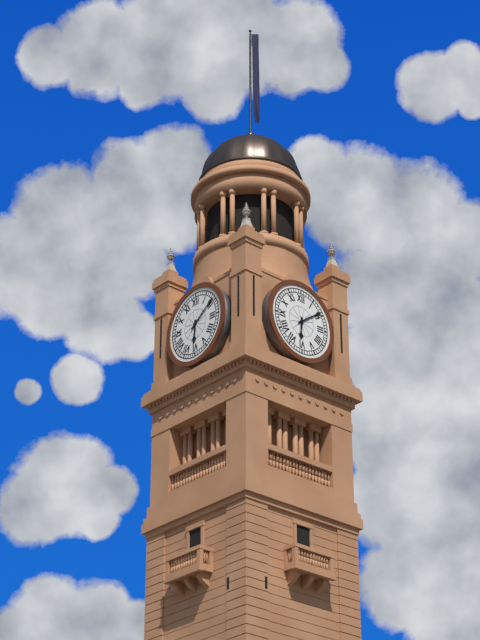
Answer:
6:09
